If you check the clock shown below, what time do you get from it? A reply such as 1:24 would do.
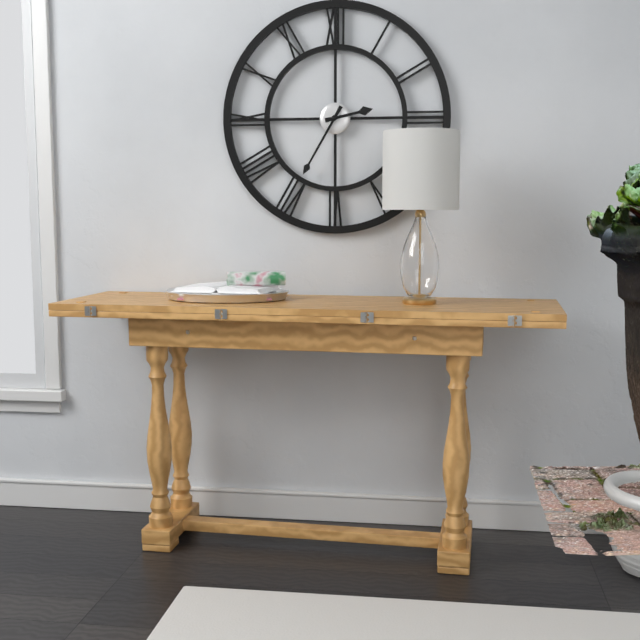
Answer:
2:35
